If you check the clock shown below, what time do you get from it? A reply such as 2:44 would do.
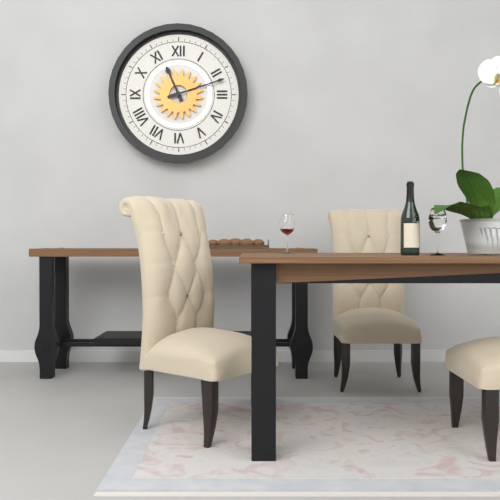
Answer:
11:12
